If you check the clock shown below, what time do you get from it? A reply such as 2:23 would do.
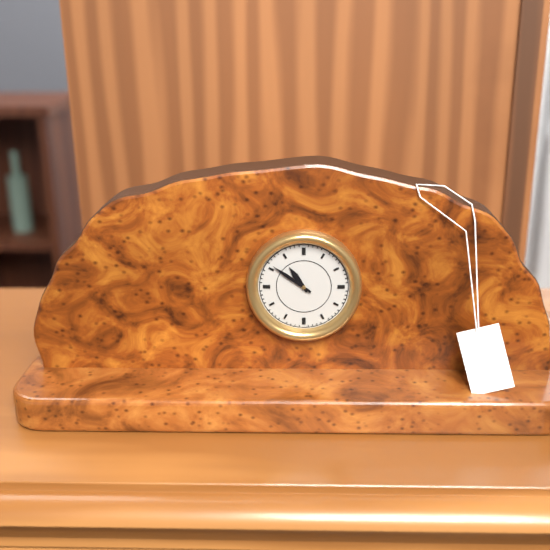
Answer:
10:51
